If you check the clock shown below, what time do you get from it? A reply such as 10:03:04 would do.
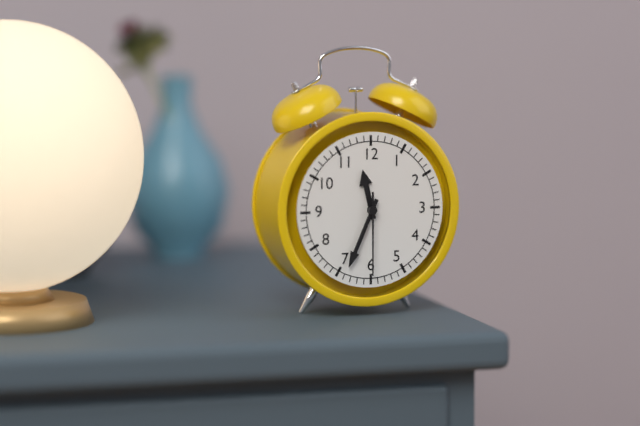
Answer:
11:34:30
